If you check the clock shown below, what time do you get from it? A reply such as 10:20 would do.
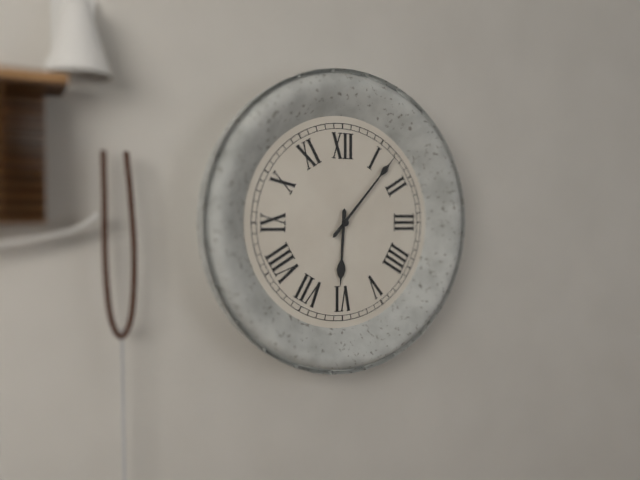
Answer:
6:07
